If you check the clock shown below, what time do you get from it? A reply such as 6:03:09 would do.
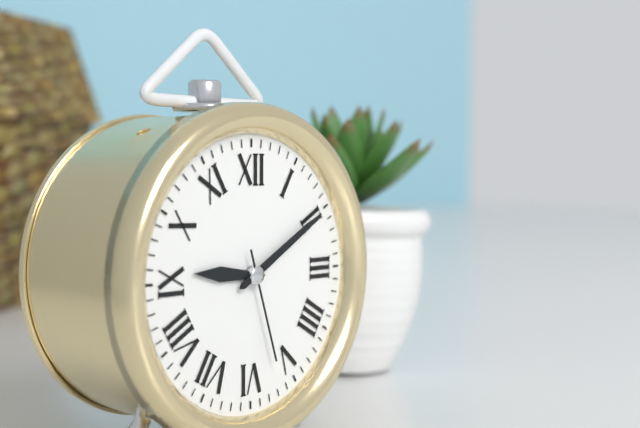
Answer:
9:10:27
